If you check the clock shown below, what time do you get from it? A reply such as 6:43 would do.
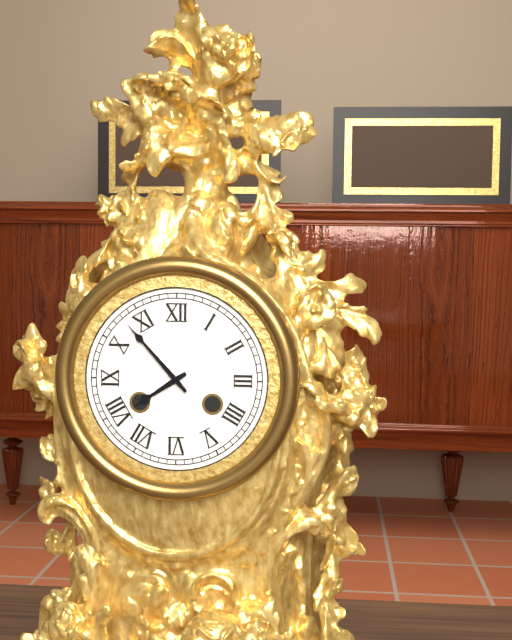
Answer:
7:53
